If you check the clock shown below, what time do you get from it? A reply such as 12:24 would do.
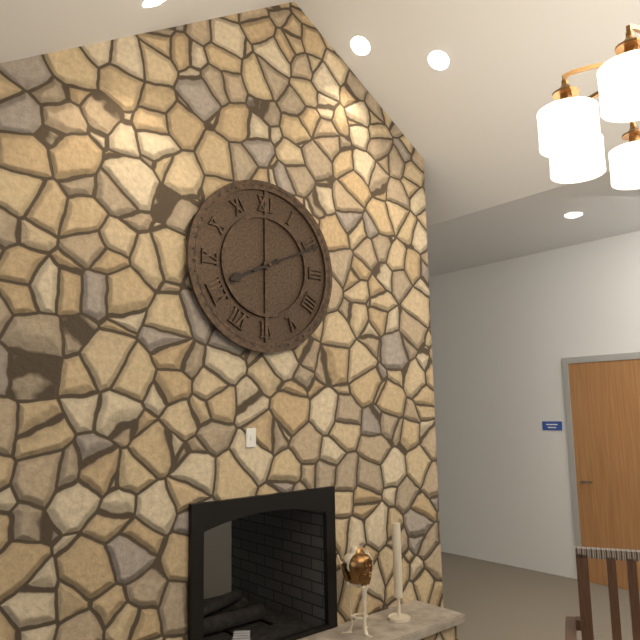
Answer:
8:11
